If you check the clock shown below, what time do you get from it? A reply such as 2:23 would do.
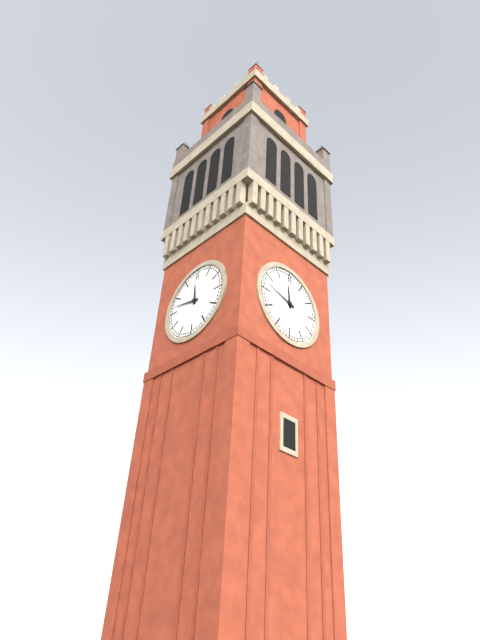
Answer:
11:47
